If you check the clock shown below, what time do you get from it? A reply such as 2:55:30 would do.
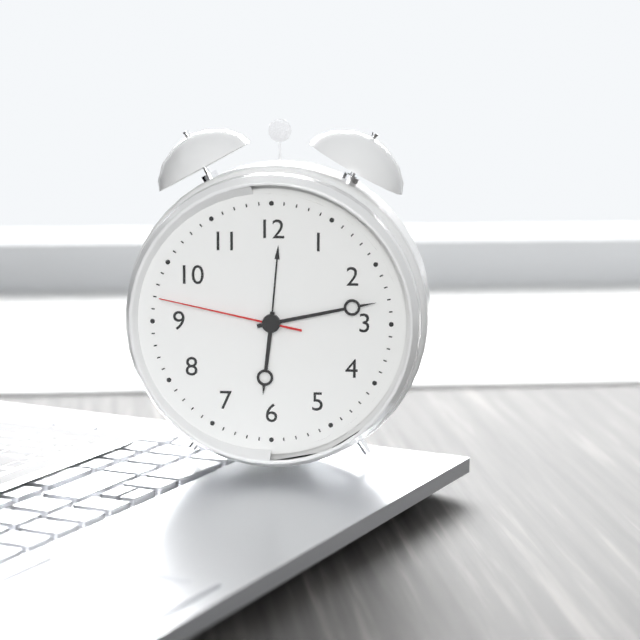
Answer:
6:13:47
